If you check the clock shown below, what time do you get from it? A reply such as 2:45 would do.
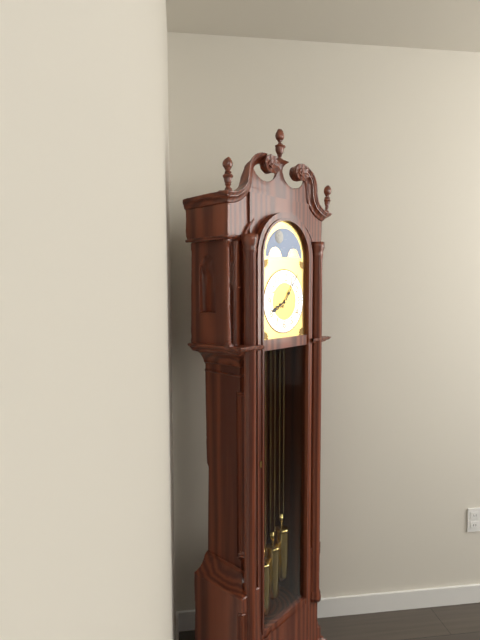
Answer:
8:06
